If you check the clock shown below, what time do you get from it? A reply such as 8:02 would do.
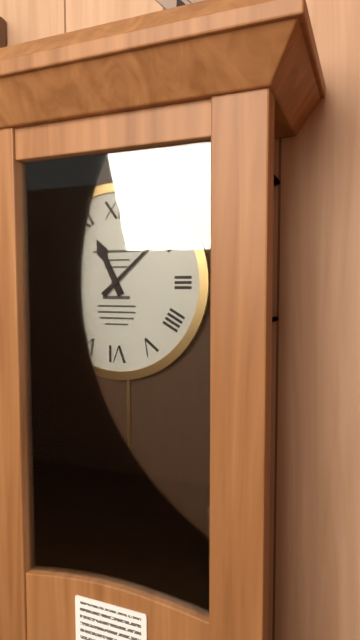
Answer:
11:08
